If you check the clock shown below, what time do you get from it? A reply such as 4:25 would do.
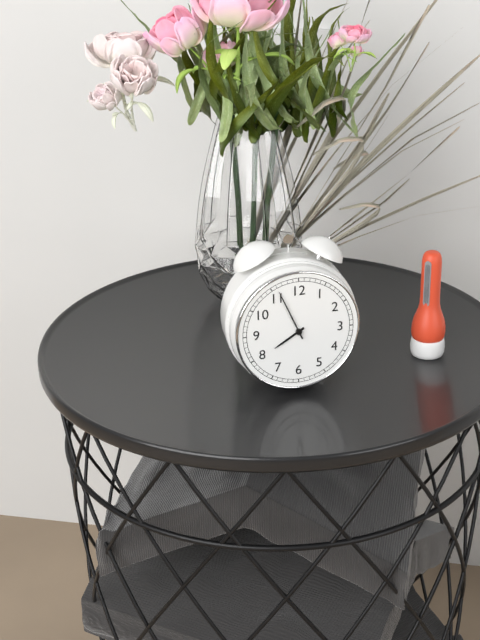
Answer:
7:56
